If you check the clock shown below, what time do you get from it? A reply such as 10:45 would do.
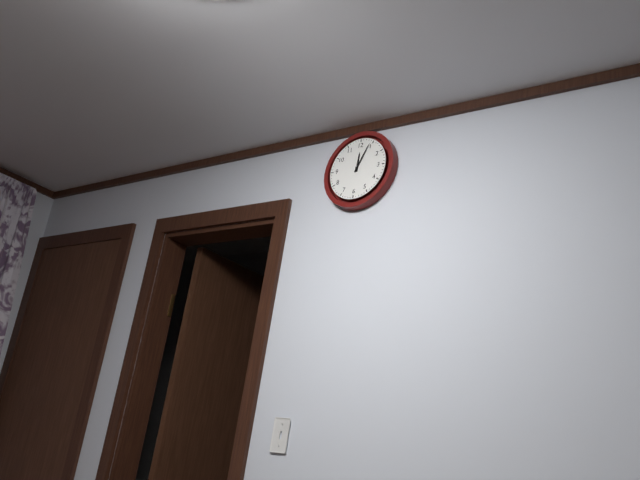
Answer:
12:04
